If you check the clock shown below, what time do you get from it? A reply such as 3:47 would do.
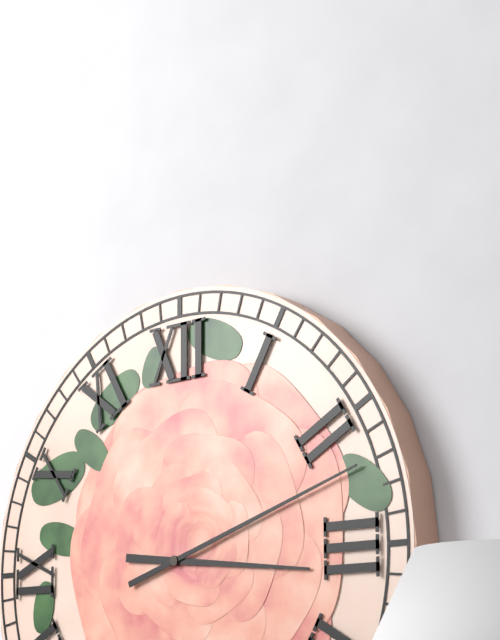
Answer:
3:12
